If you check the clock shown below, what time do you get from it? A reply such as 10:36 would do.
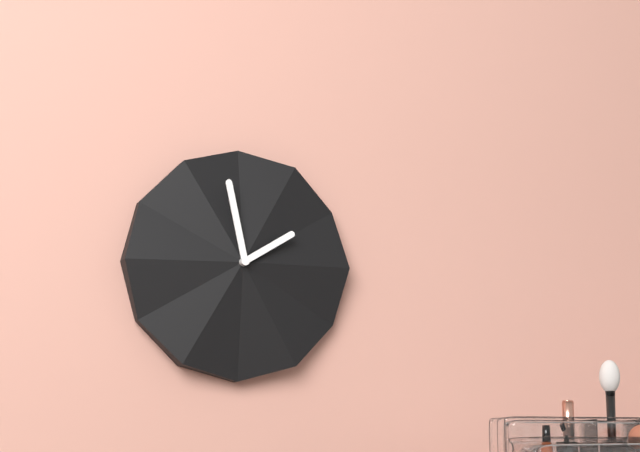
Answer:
1:58
